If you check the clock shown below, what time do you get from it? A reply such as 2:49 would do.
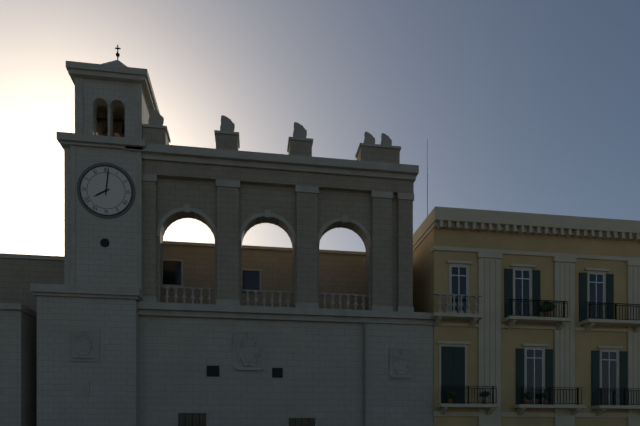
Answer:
8:01
